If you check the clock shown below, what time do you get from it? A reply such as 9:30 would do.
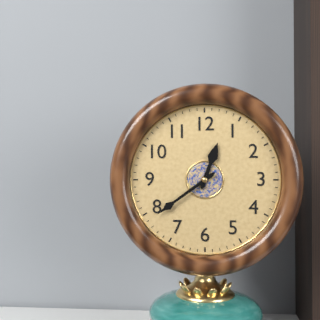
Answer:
12:39
